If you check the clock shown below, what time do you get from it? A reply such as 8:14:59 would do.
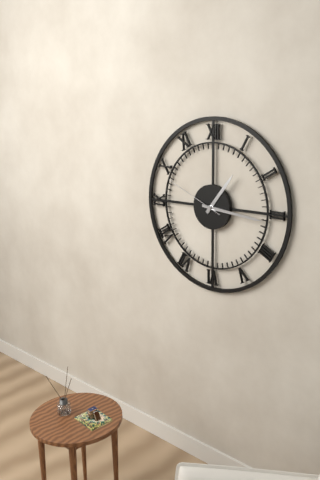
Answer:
1:16:49
